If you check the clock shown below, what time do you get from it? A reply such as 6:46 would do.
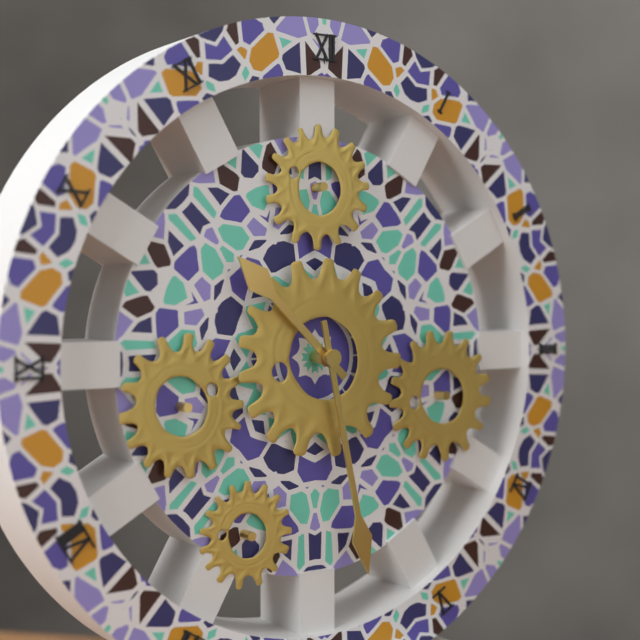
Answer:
10:28
